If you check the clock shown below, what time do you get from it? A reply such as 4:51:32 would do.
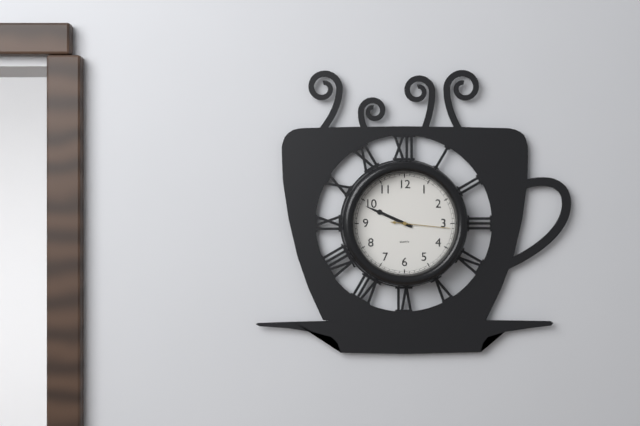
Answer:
9:49:16
